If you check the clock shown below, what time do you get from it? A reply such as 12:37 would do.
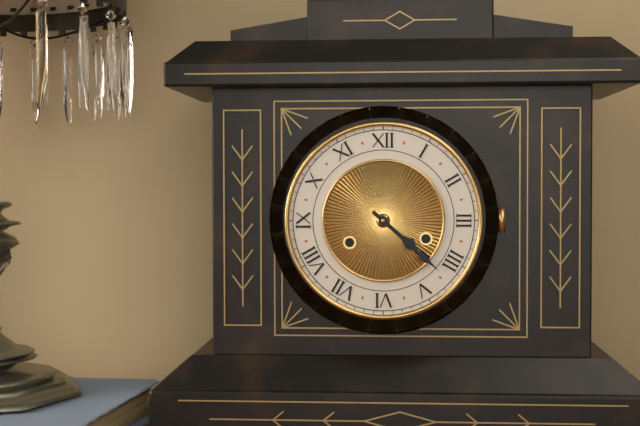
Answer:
4:22
